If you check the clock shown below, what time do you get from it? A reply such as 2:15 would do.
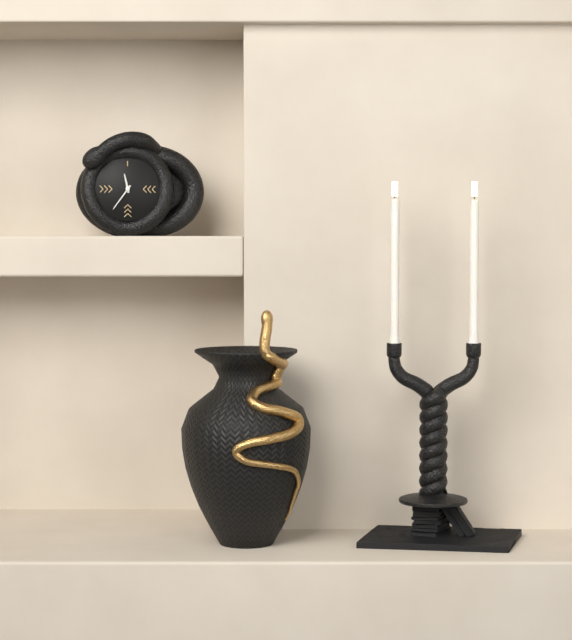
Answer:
11:36
